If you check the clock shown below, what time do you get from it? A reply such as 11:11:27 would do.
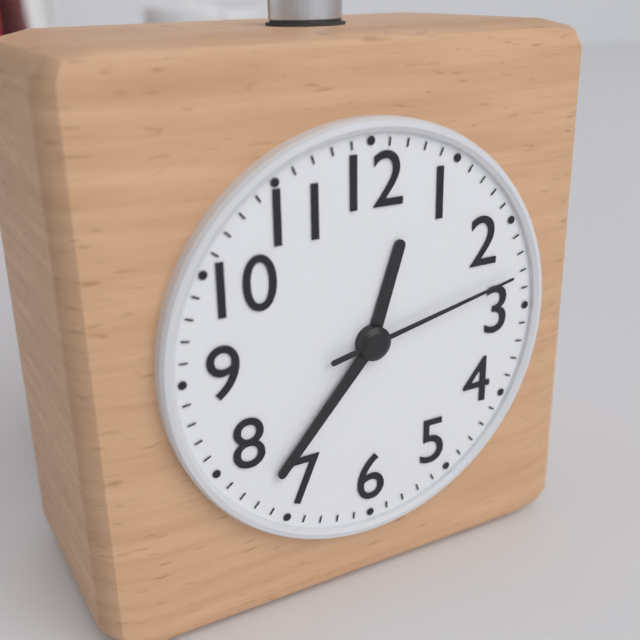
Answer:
12:37:13
